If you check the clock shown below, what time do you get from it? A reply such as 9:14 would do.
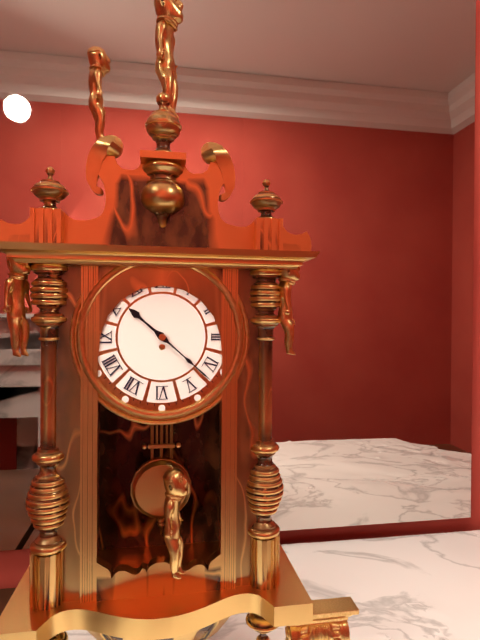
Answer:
10:22
